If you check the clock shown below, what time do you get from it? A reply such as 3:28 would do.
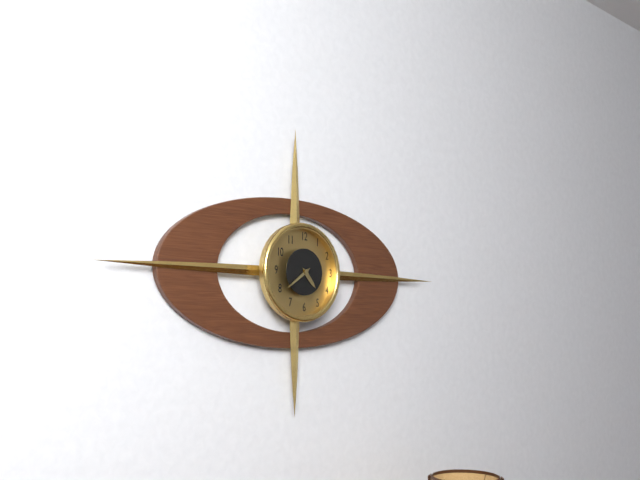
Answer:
4:39
